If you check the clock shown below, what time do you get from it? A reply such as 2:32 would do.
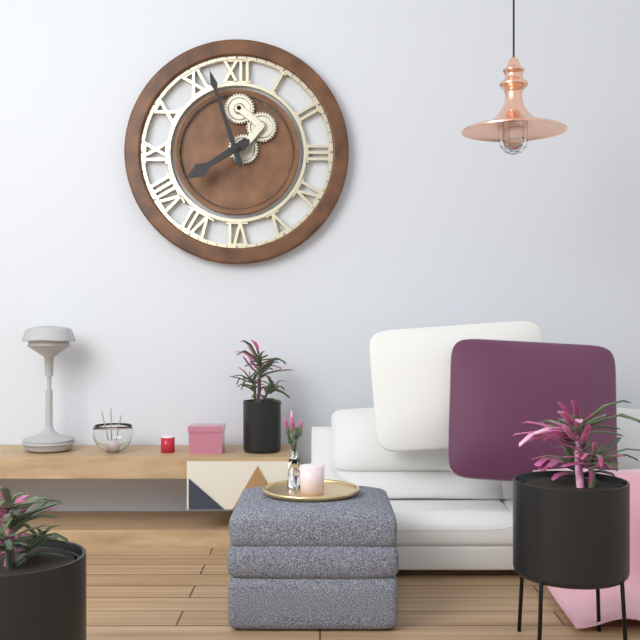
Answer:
7:57
